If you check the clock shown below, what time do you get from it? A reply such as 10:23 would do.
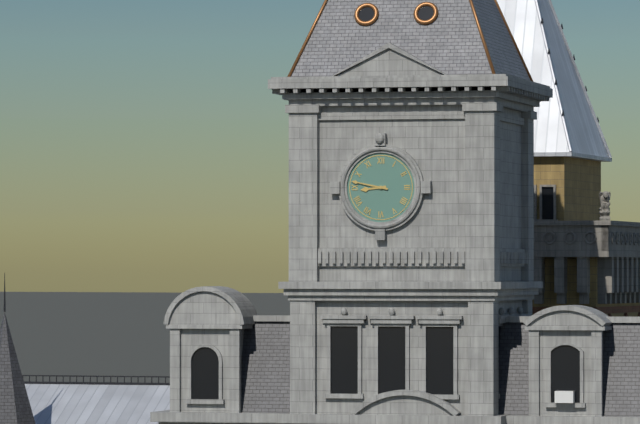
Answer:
8:47
